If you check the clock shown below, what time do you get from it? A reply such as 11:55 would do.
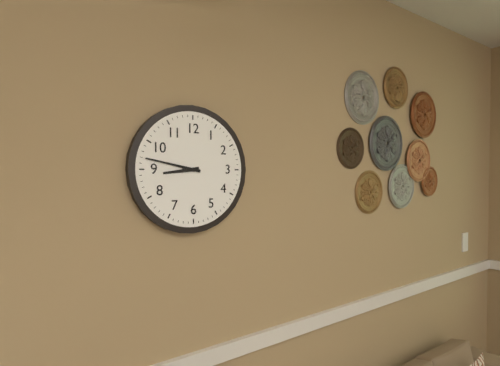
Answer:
8:47
